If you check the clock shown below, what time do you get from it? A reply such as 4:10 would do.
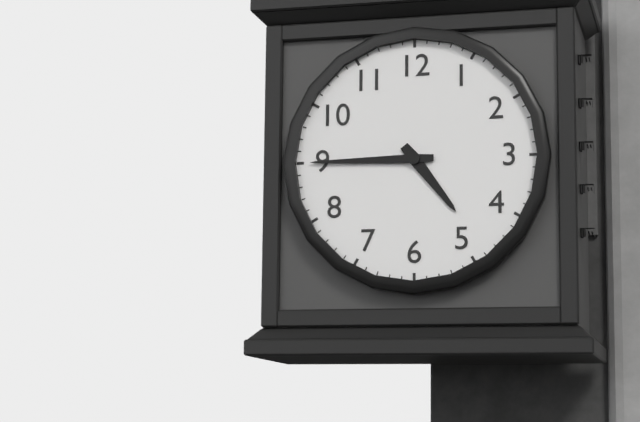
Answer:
4:45
